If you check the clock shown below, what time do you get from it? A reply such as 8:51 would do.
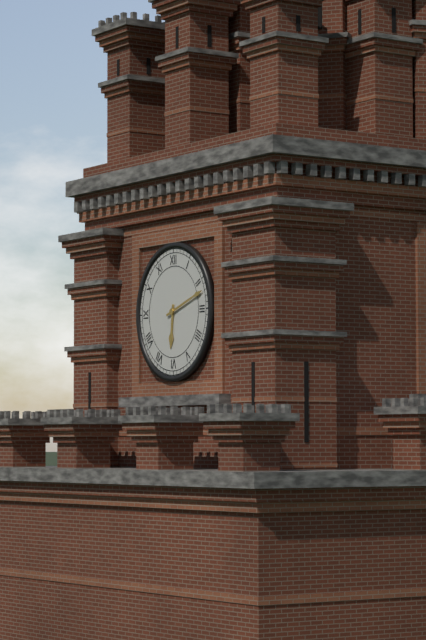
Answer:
6:12
